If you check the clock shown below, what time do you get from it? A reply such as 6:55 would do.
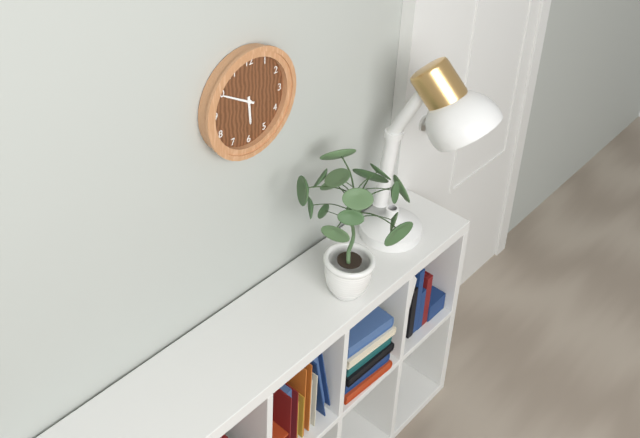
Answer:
5:50
